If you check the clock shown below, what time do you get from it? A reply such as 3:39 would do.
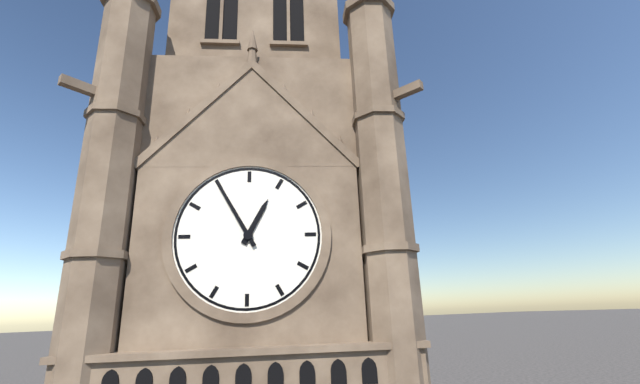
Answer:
12:55
